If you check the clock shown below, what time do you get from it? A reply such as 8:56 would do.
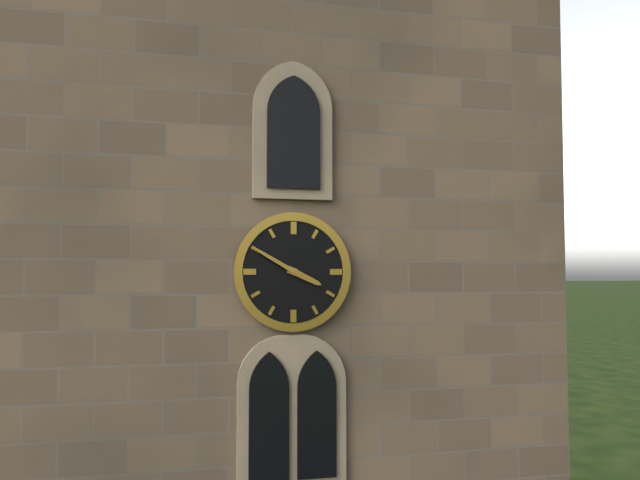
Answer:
3:50
